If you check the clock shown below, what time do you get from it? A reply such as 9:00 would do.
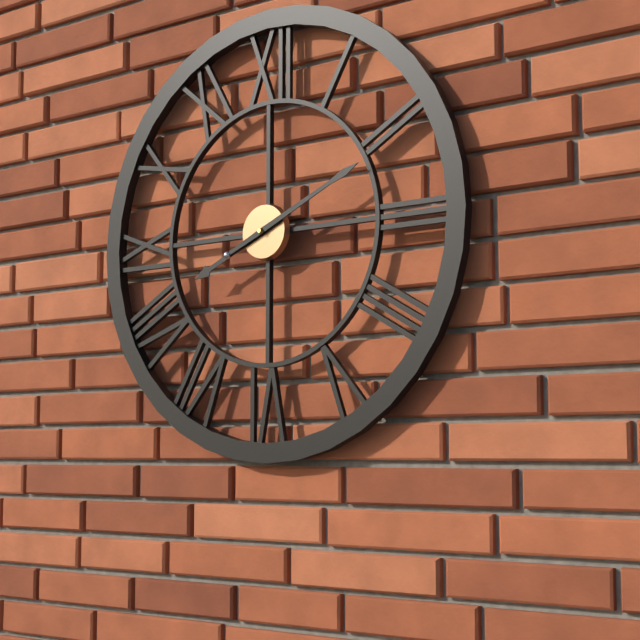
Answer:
8:11
